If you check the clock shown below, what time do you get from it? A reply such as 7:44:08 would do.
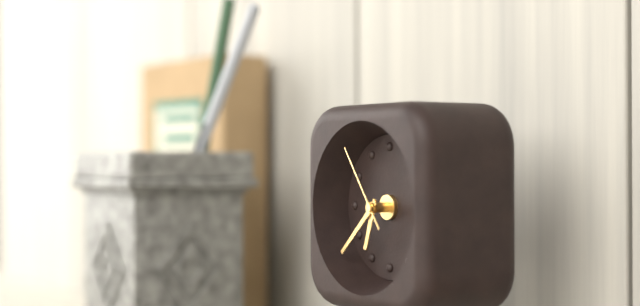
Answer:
6:38:54
